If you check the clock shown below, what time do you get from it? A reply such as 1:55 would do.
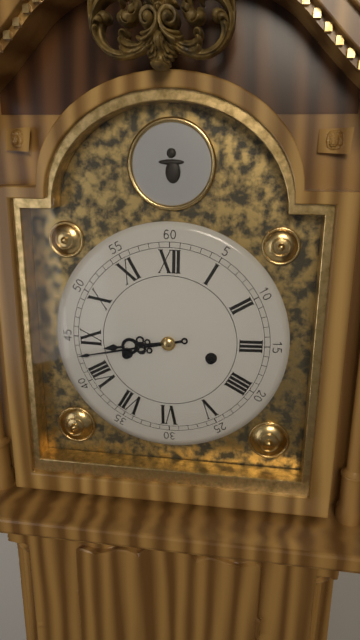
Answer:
8:43
